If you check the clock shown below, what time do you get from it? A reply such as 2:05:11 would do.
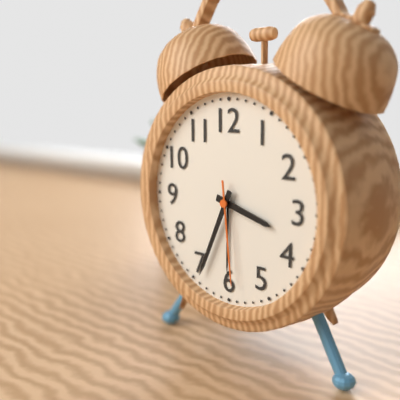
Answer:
3:34:29
